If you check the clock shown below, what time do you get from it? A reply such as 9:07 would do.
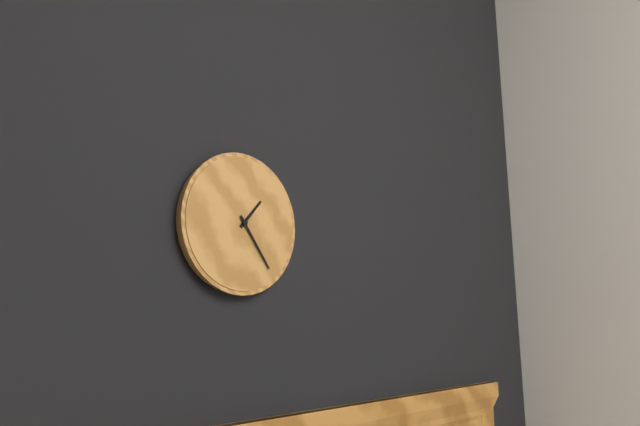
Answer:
1:24
